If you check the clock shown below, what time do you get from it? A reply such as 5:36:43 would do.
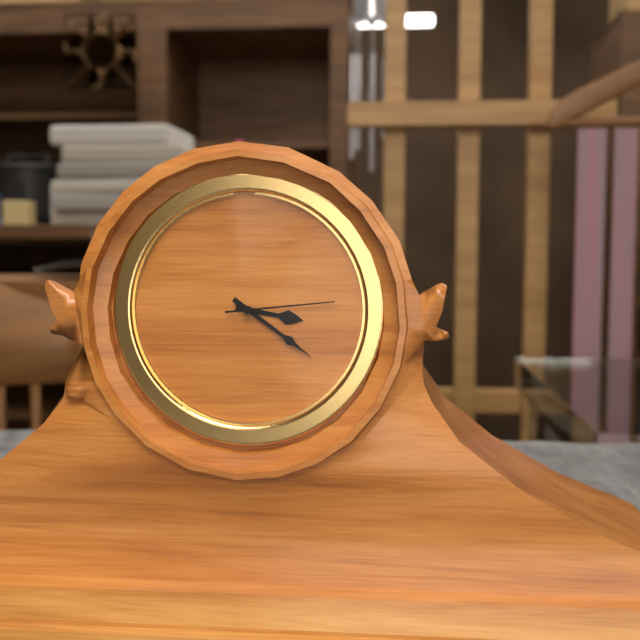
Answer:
3:21:14
